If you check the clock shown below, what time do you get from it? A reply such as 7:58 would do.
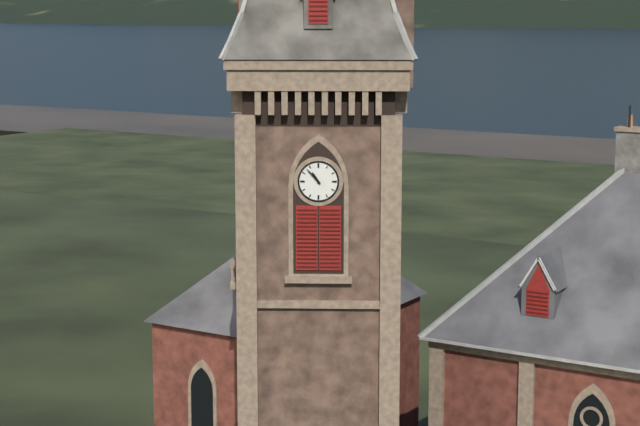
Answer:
10:53
